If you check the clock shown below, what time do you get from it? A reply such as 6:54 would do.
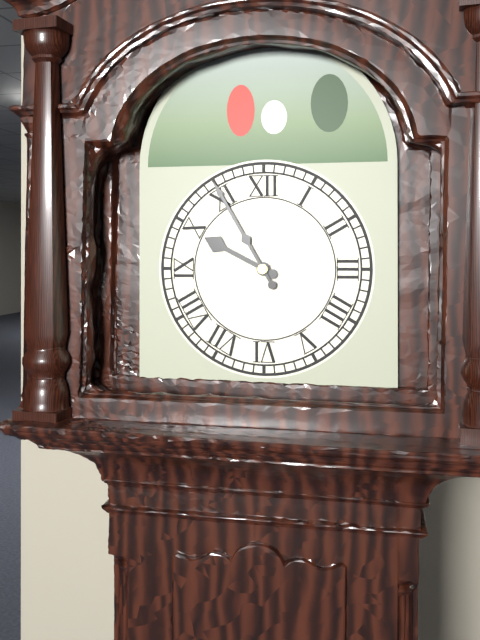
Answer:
9:55
